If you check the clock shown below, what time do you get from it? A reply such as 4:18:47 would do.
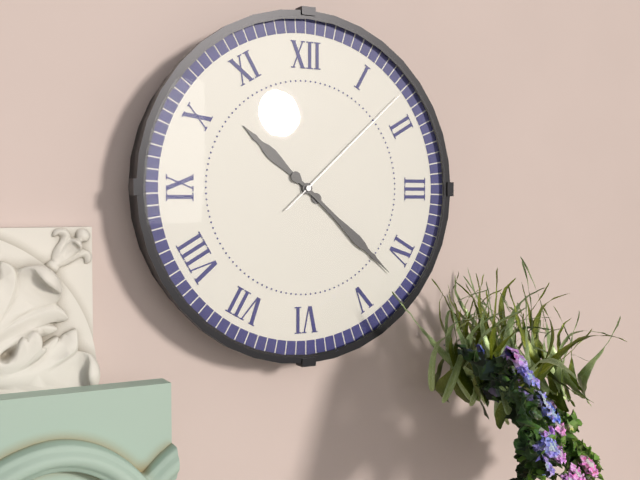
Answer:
10:22:08
